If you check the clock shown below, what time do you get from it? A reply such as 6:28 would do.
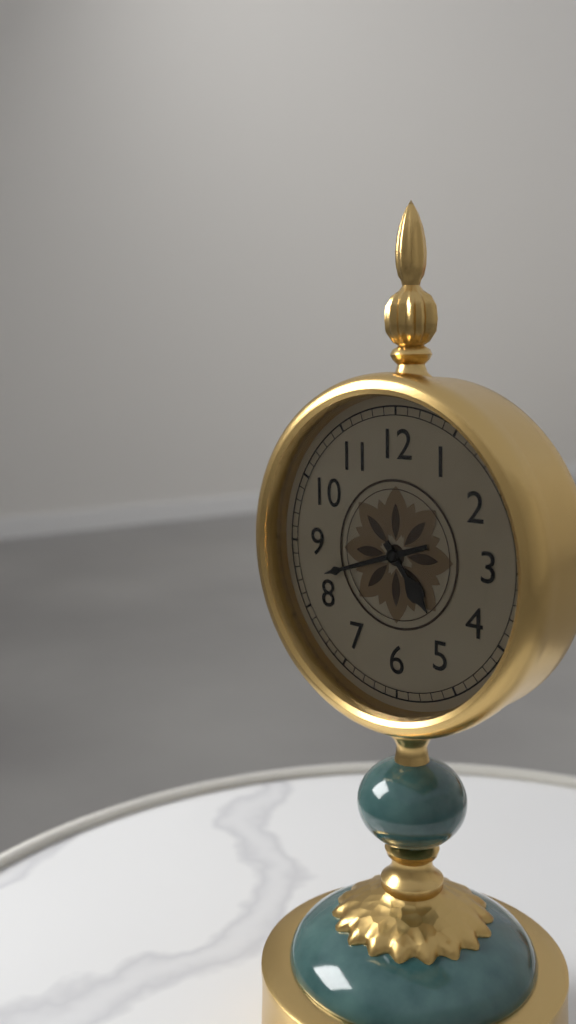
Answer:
4:42
